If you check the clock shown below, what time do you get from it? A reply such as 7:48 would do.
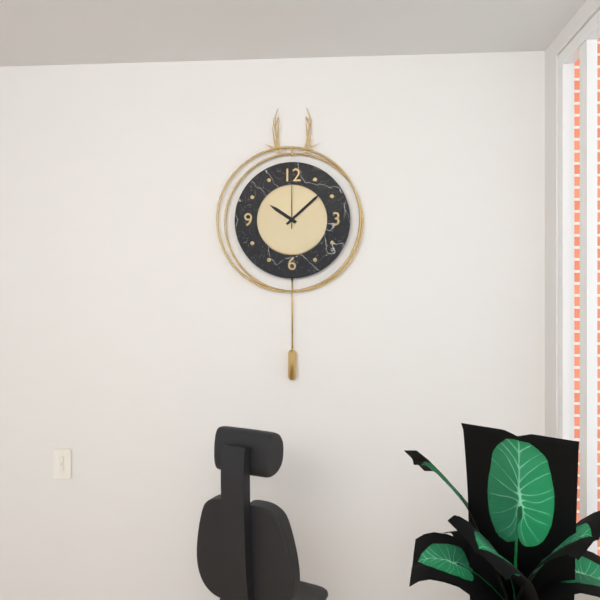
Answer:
10:08
